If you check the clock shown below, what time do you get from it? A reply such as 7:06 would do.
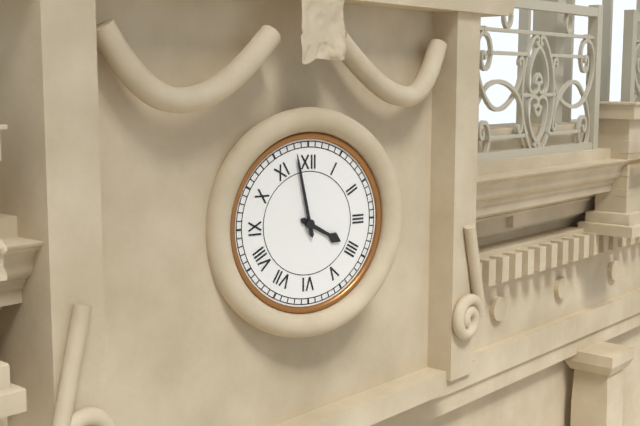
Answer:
3:58
